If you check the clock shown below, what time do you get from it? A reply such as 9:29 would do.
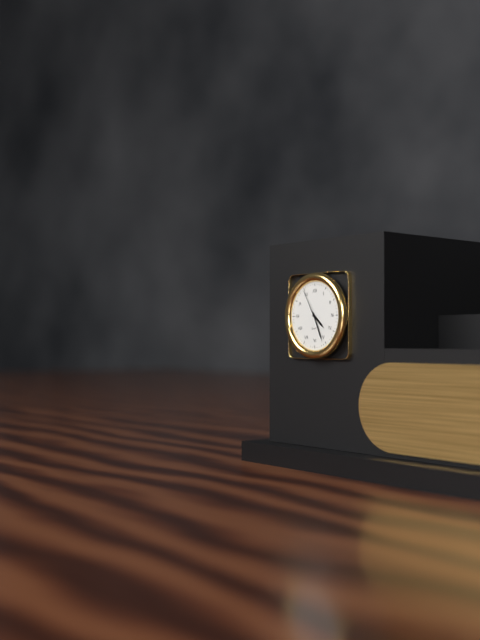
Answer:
4:26
